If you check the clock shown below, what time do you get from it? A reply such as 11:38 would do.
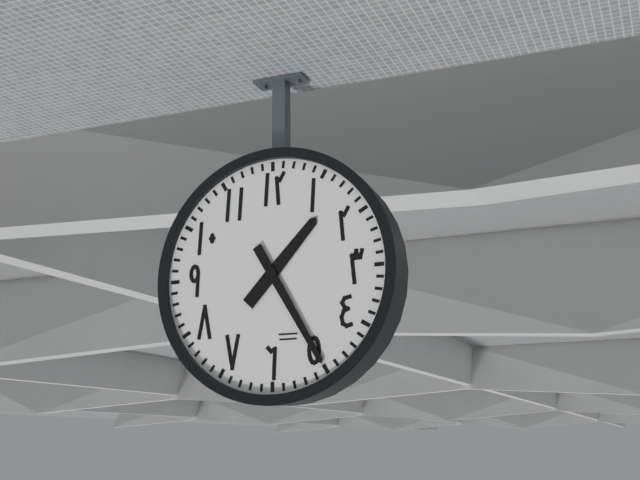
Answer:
1:25
